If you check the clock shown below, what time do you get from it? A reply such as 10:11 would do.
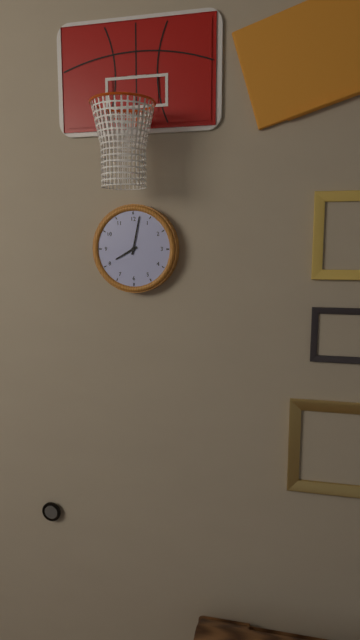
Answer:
8:02
